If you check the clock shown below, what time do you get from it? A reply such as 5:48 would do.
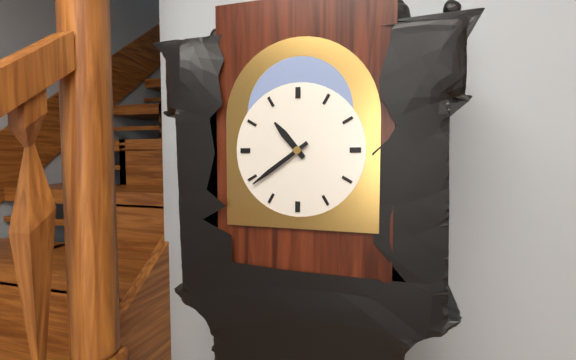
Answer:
10:39
